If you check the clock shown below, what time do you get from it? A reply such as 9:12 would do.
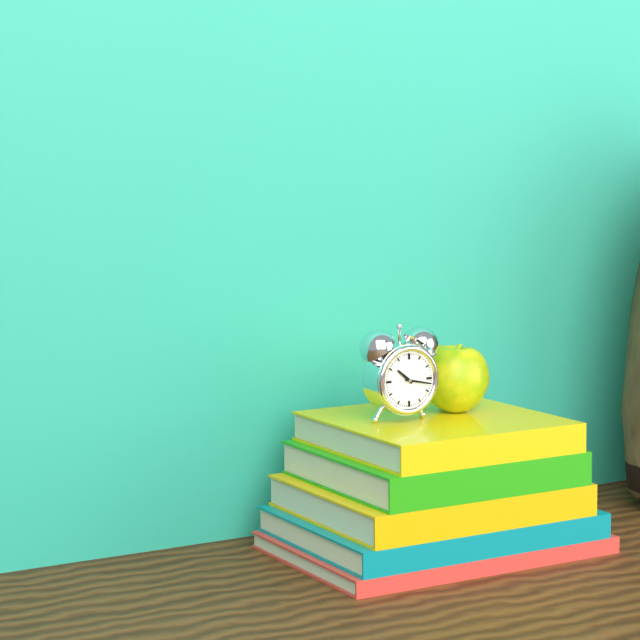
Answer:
10:17
